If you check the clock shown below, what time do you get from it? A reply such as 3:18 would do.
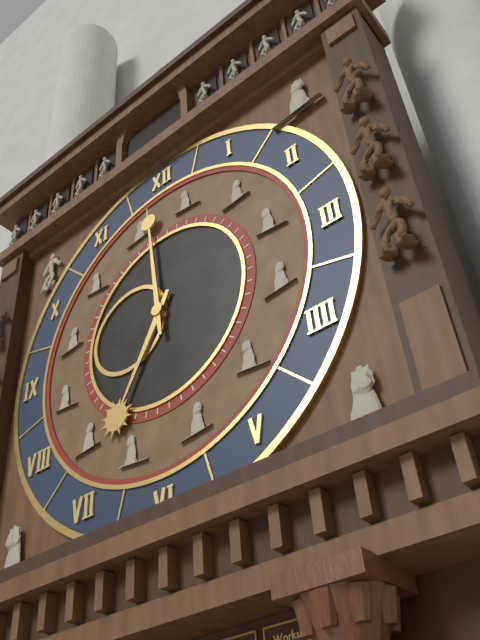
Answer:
6:59
